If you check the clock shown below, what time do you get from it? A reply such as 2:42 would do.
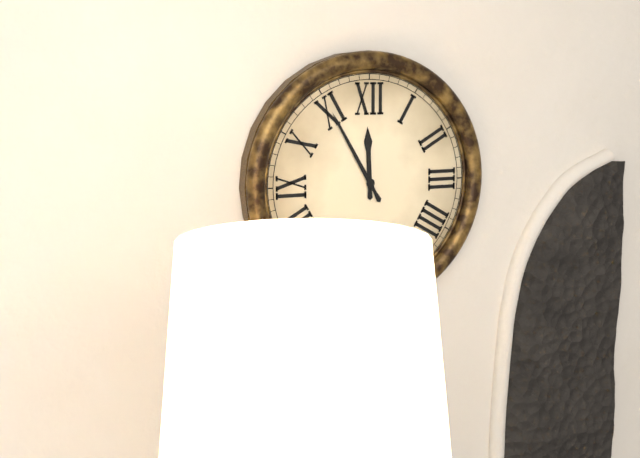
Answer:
11:55
